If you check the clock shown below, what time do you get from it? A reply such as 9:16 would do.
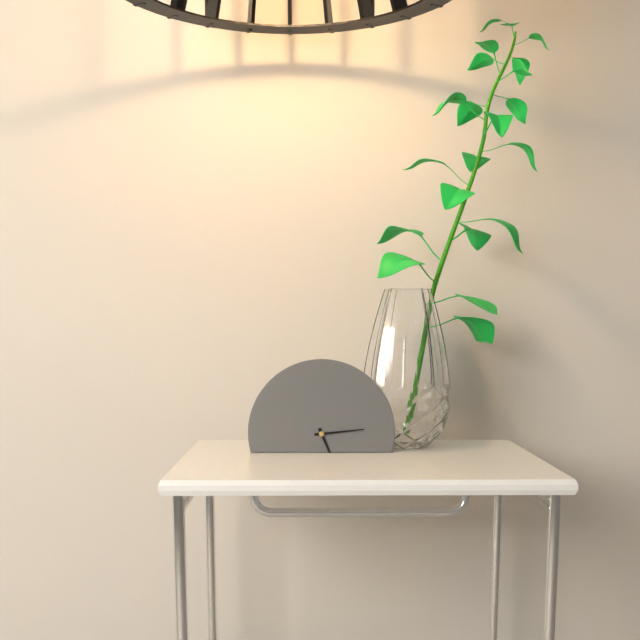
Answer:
5:14
